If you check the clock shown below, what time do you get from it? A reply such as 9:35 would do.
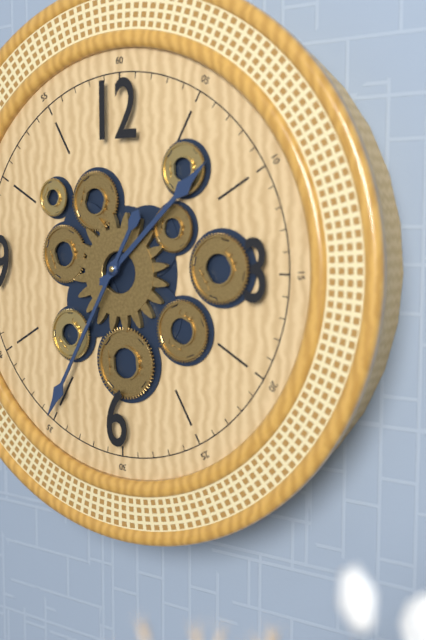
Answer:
1:35
